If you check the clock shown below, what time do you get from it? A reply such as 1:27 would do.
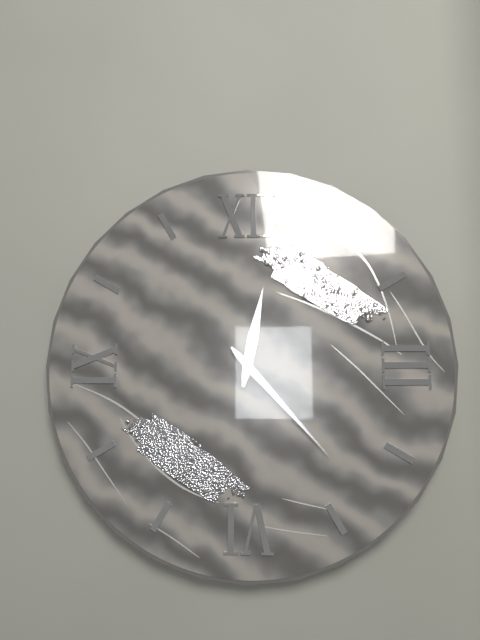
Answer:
12:23
